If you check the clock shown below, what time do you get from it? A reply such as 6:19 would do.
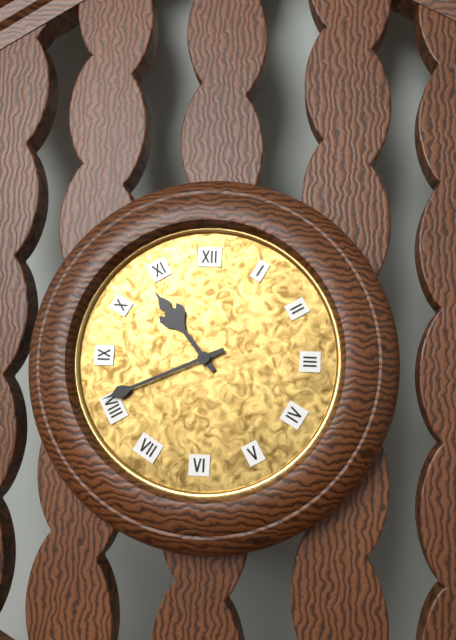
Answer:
10:41
